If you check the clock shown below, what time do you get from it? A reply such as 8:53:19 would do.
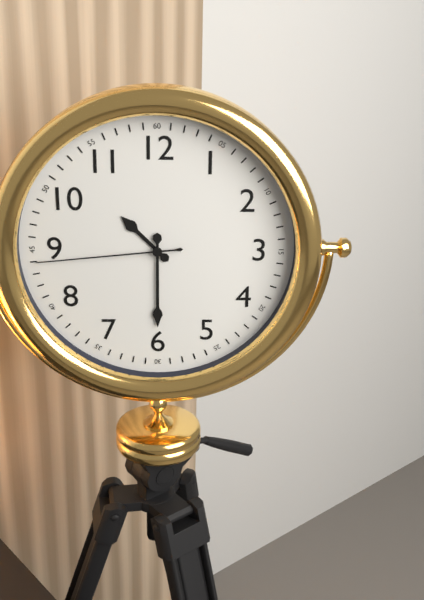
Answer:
10:30:44
